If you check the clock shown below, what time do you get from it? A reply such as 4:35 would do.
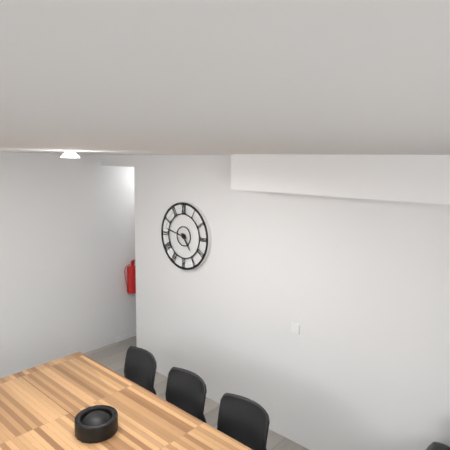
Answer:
4:47
